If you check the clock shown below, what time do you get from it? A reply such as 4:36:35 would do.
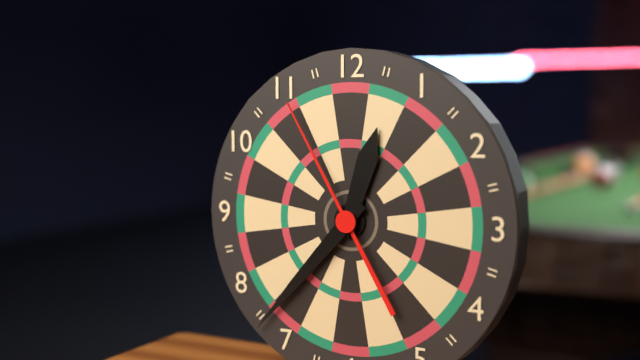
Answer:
12:37:55
